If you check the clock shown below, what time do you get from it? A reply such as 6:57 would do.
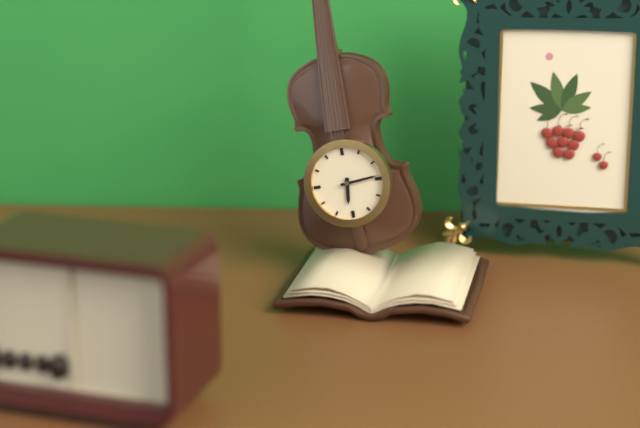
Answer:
6:14
